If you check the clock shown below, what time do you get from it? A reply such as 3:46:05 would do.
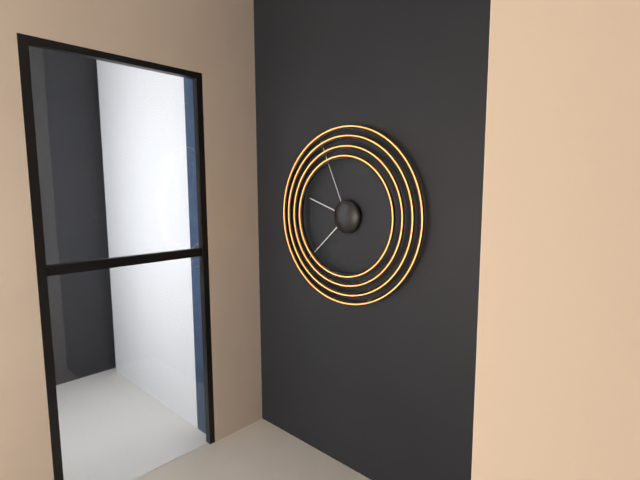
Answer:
9:38:56
